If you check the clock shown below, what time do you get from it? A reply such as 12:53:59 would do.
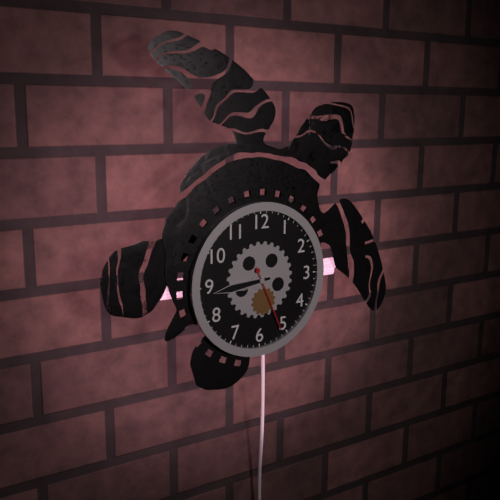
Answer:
8:44:26
